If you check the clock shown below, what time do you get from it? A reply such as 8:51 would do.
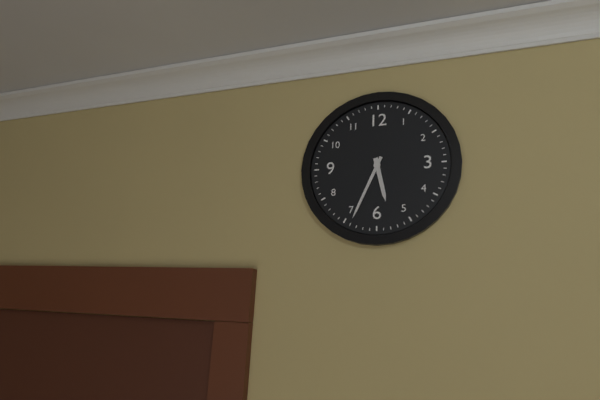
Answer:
5:34
